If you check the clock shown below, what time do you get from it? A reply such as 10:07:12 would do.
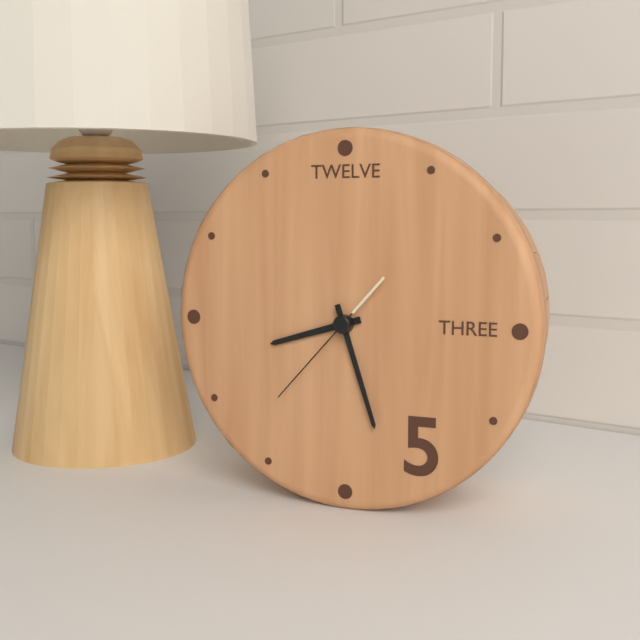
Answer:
8:27:37
